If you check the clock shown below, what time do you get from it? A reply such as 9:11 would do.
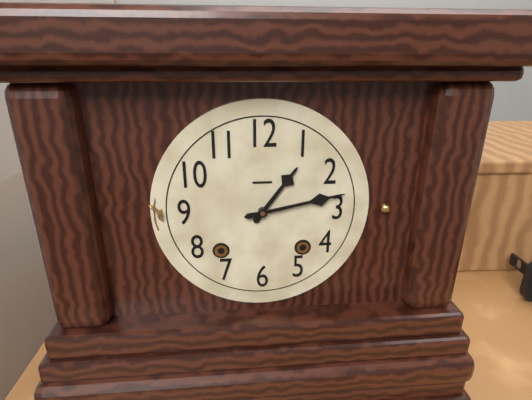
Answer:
1:13
